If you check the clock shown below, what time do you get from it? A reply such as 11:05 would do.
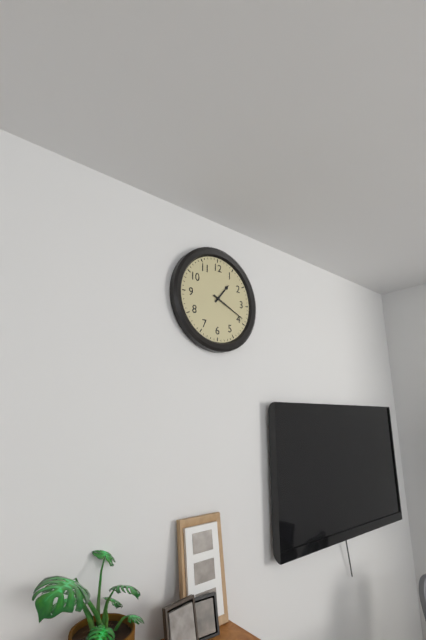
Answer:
1:19
